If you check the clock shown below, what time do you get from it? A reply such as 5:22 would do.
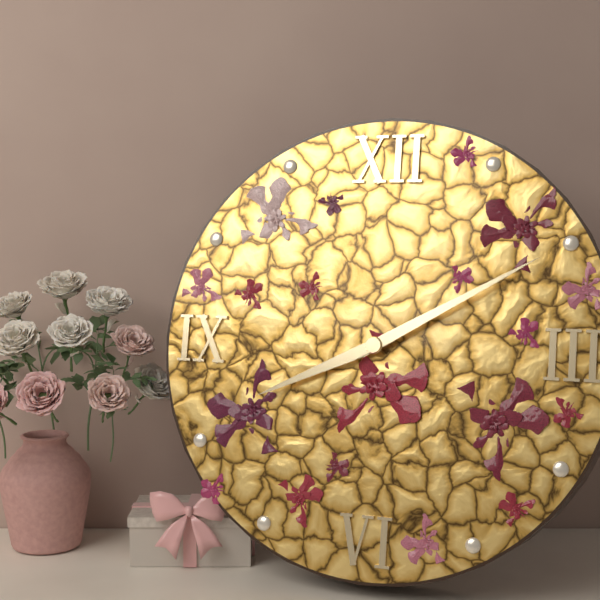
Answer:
8:10
